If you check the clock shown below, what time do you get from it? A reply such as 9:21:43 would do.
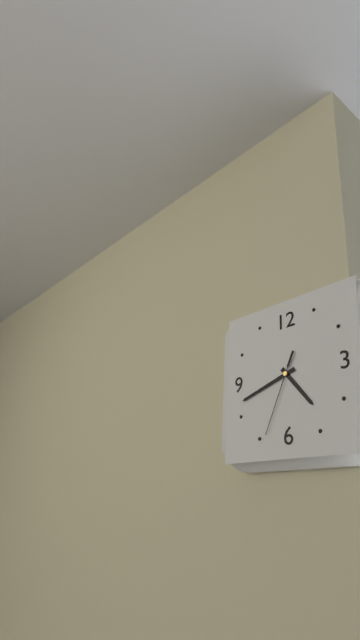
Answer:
4:42:34
